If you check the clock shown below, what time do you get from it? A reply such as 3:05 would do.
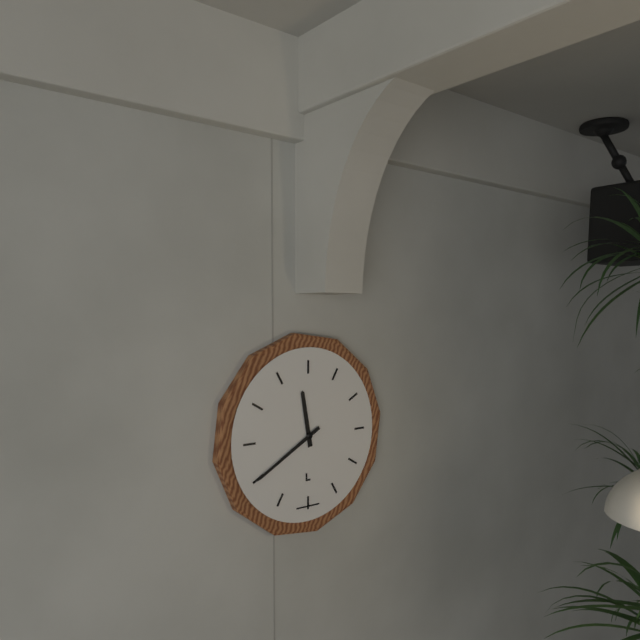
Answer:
11:40
